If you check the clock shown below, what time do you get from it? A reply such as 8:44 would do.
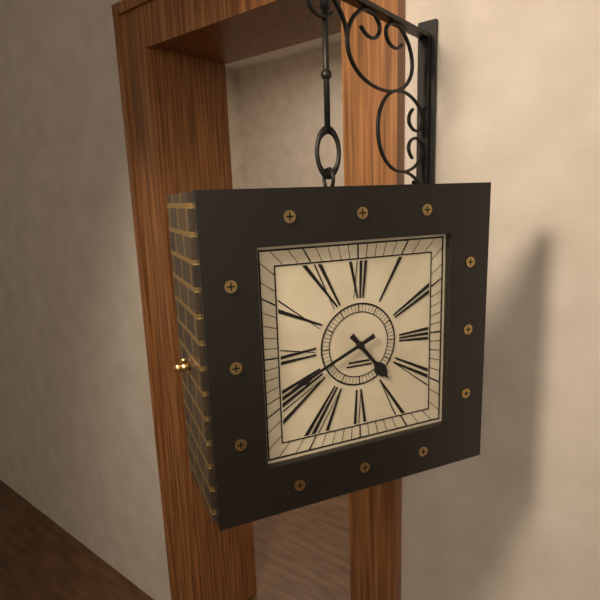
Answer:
4:41
